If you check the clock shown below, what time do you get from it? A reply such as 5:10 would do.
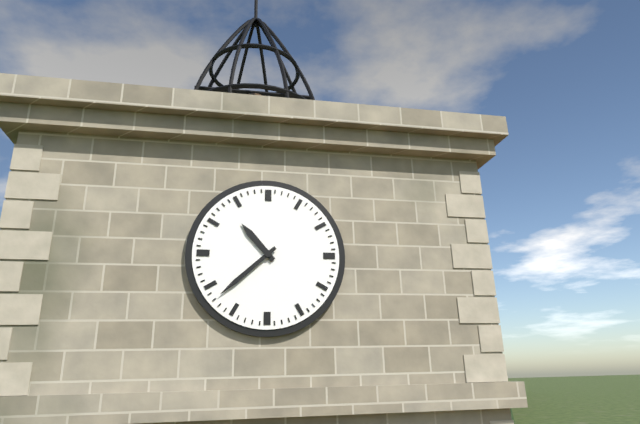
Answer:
10:38
